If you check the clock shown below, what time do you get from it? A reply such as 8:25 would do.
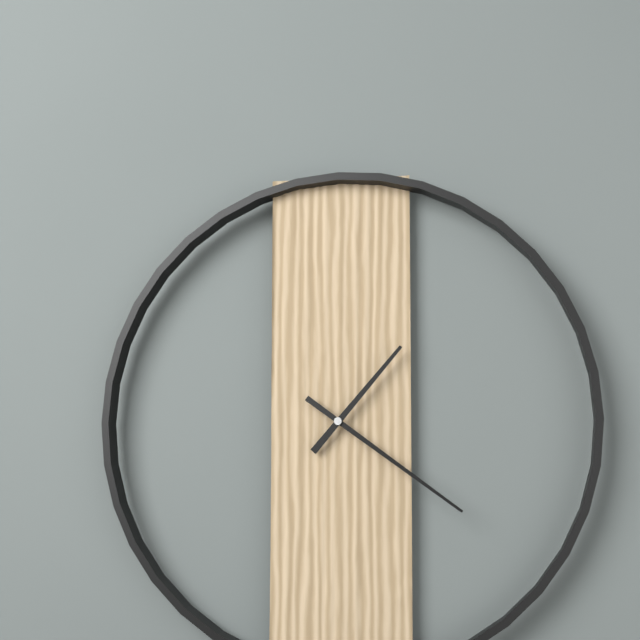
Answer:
1:21
